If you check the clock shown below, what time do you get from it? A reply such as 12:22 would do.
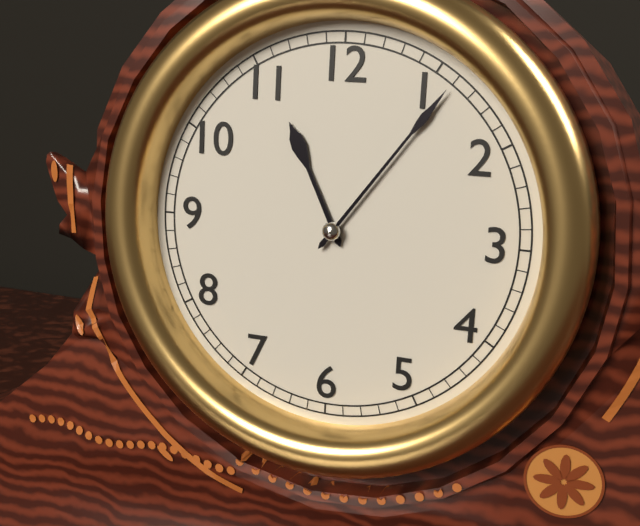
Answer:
11:06
